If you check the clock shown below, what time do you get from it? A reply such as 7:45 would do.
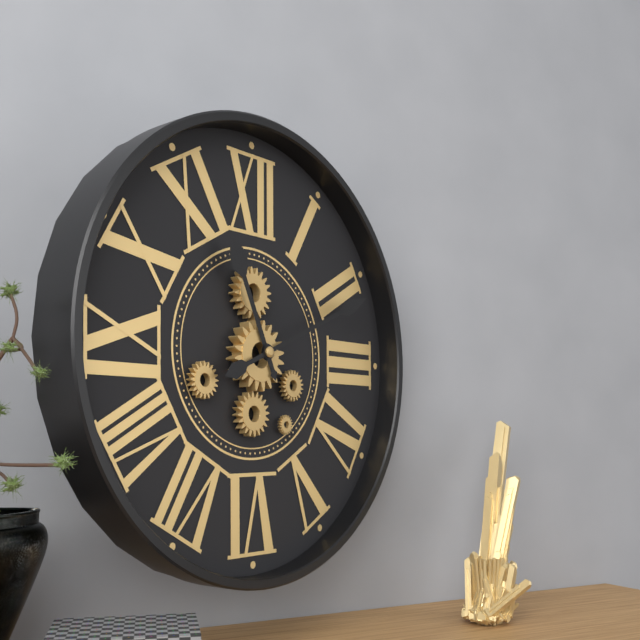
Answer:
11:11
